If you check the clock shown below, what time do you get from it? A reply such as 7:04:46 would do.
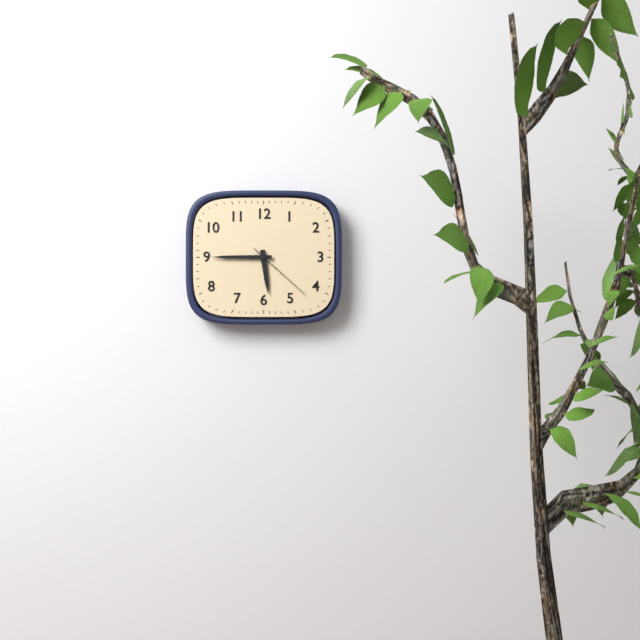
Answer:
5:45:22
